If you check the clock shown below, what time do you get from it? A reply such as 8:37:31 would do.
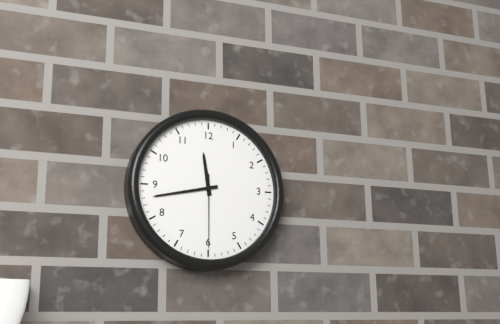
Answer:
11:43:30
